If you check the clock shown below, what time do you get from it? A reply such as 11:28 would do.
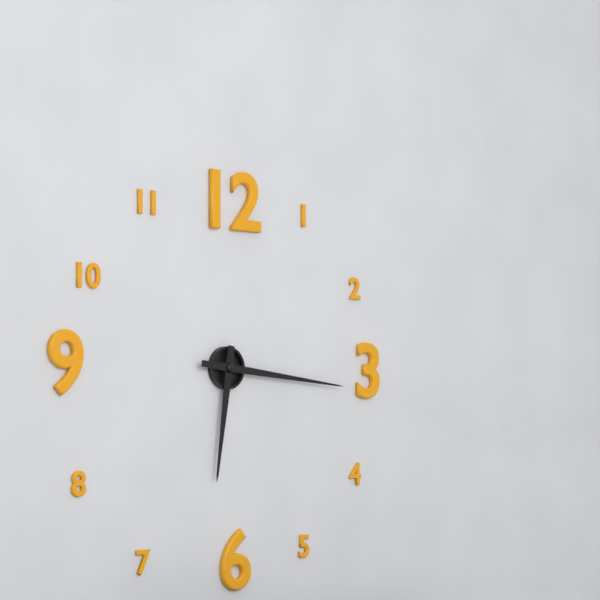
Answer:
6:16
